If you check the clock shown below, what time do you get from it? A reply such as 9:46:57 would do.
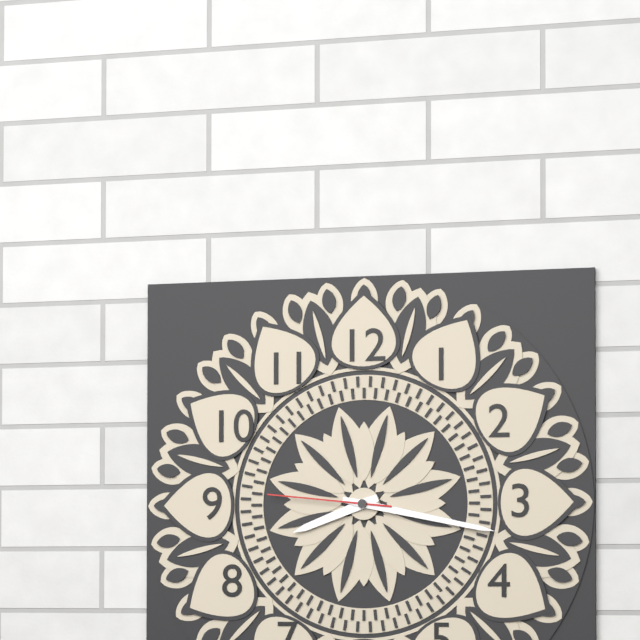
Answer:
8:17:46
